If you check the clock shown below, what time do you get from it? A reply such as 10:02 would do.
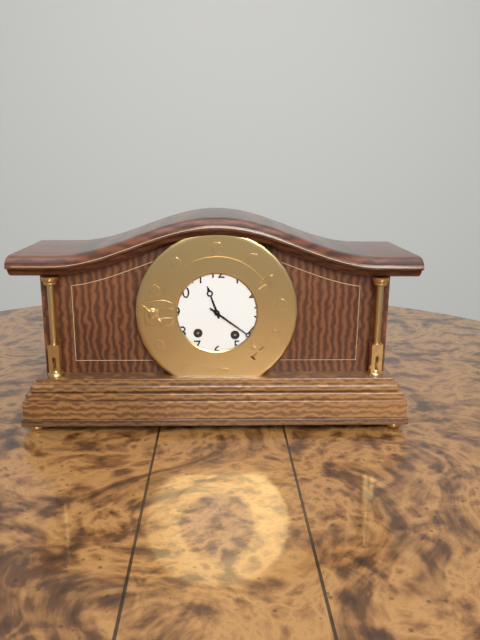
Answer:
11:21
